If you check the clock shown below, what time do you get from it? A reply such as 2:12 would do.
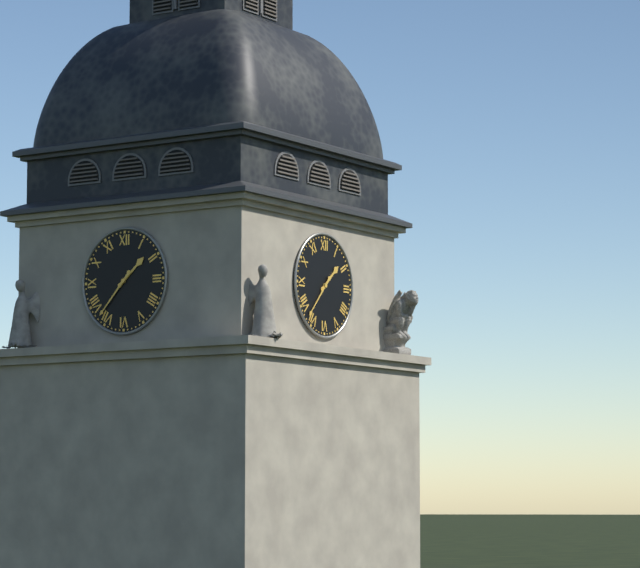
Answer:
1:37
